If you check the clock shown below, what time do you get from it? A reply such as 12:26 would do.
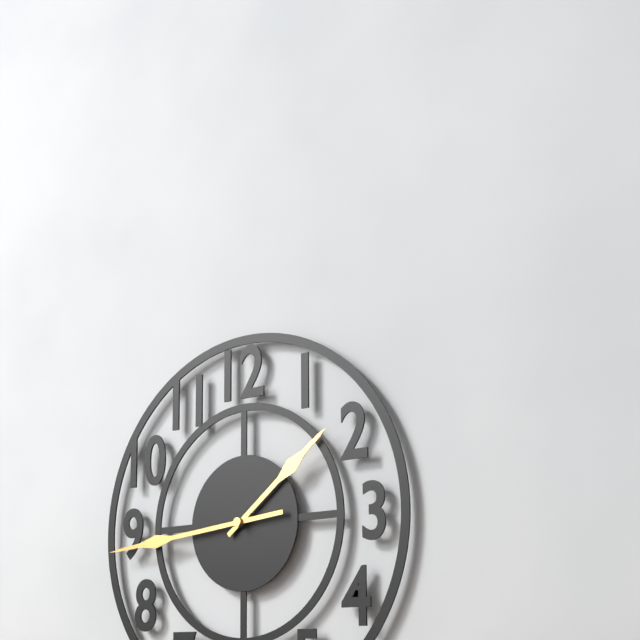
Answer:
1:44
